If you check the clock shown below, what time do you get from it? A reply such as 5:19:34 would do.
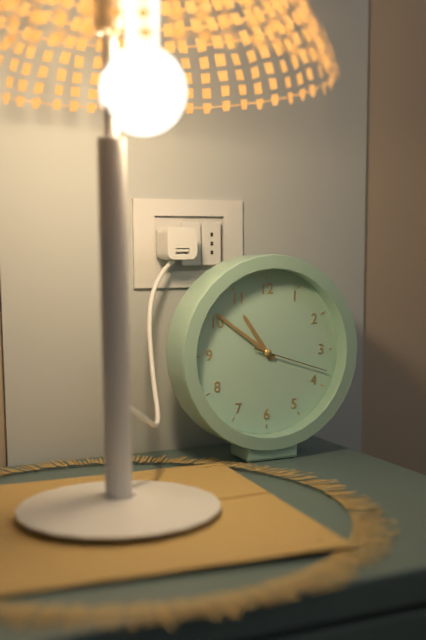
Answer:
10:51:18
